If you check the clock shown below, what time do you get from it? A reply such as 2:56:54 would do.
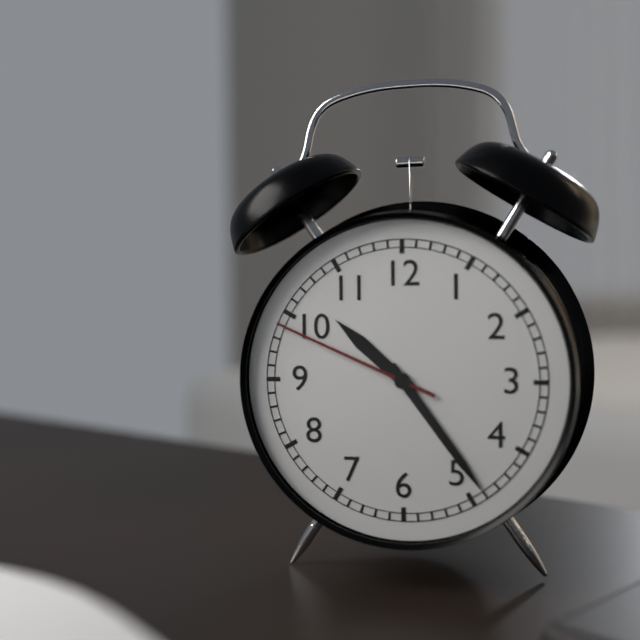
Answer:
10:24:49
